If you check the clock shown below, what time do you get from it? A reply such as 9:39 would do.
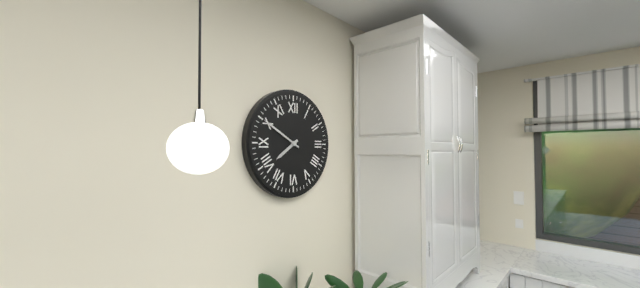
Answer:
7:50
